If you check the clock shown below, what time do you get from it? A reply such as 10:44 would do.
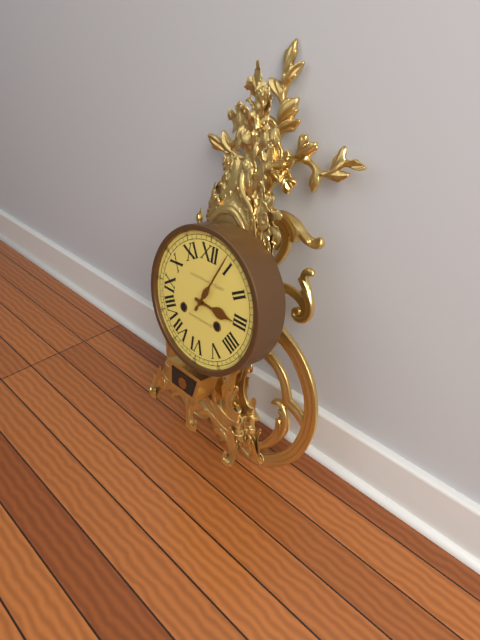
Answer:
3:04
